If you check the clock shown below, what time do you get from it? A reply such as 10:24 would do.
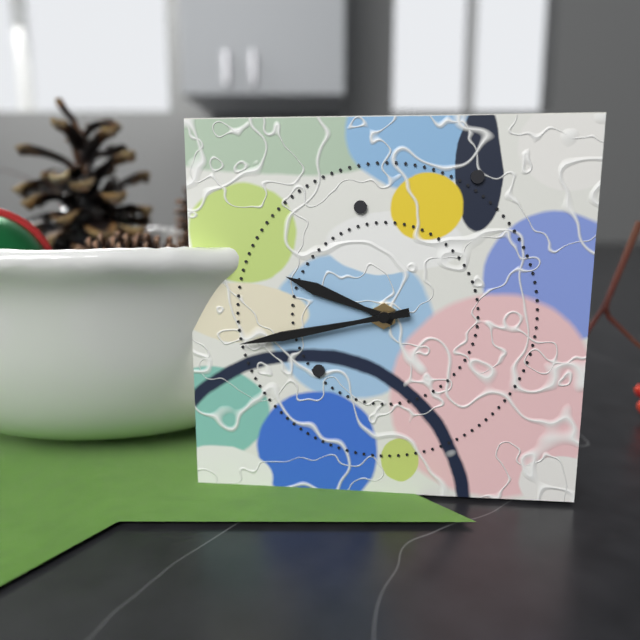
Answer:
9:43
